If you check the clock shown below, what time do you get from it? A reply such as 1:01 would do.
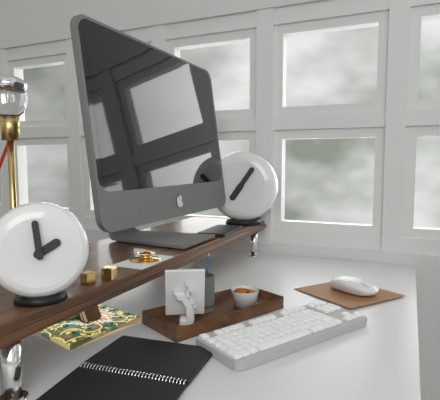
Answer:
1:59
